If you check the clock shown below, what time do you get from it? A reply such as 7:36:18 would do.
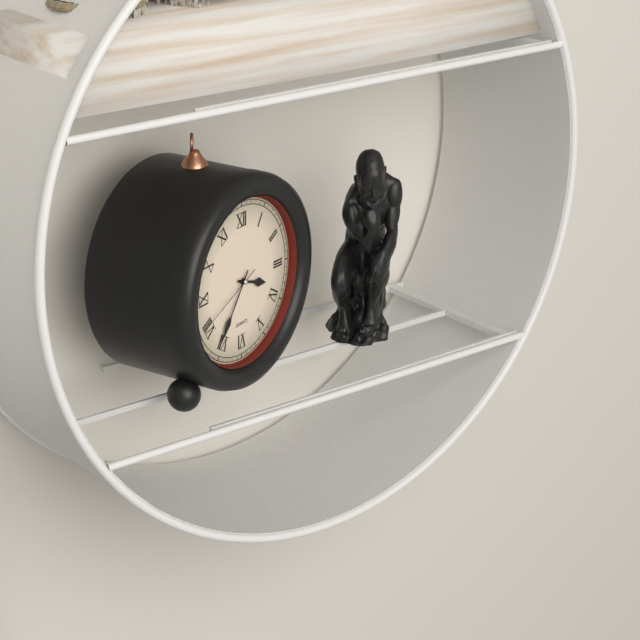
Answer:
3:36:41
